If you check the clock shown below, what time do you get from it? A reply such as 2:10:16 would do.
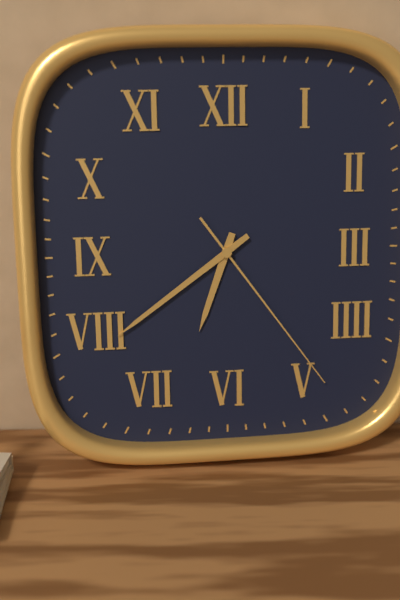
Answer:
6:39:24
